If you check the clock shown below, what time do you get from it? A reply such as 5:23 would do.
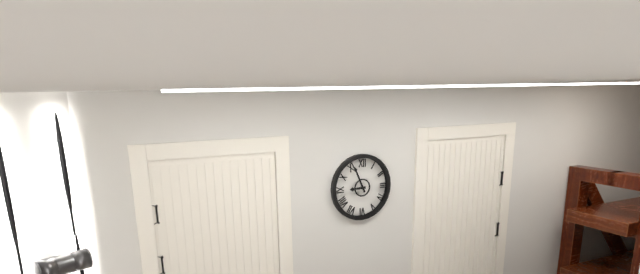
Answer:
8:56
